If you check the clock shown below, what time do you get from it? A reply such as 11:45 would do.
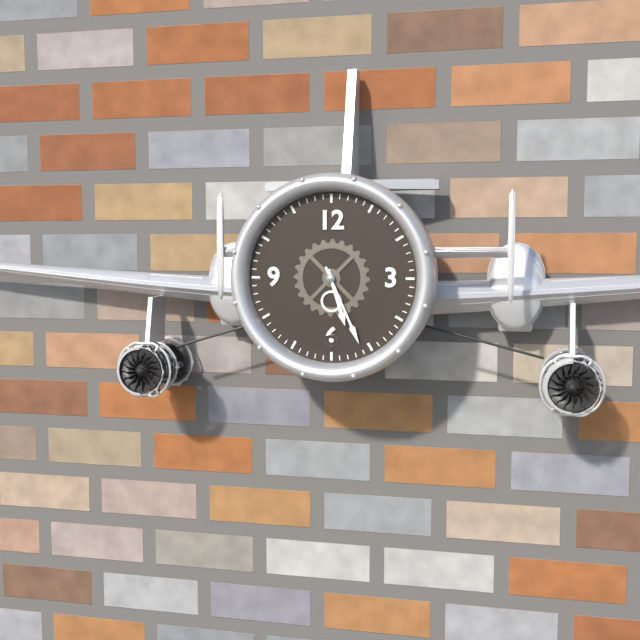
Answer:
5:26
